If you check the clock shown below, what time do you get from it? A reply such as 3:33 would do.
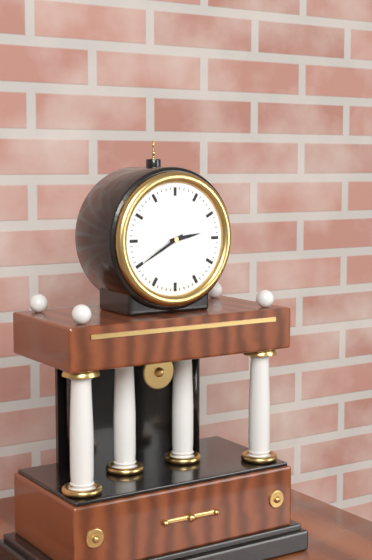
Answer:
2:40
